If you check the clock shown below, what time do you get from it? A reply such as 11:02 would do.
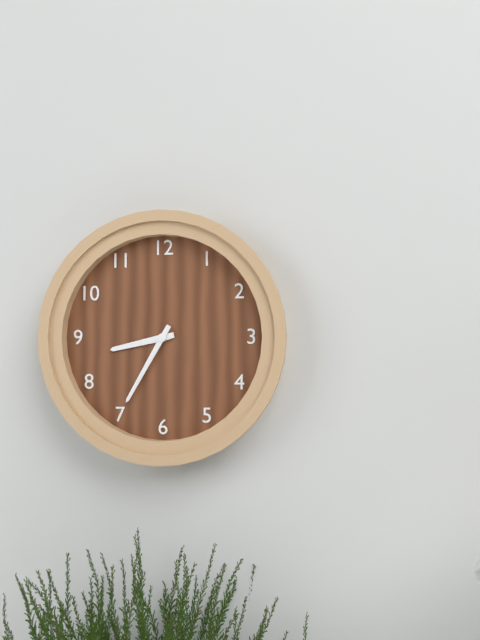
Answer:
8:35
